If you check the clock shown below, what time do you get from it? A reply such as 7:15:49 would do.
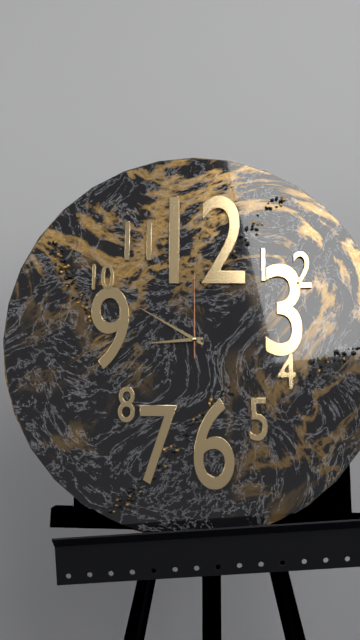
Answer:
8:50:00
